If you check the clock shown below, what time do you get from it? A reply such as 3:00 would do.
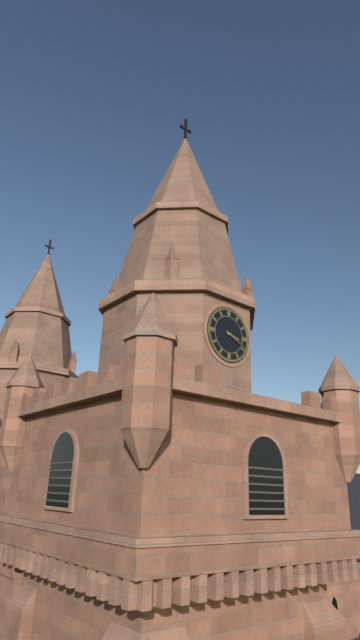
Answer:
3:19
